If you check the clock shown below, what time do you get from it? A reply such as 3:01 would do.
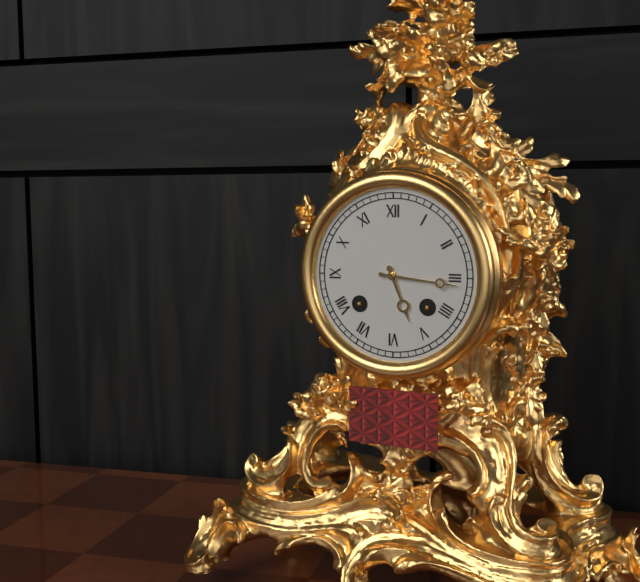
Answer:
5:16
